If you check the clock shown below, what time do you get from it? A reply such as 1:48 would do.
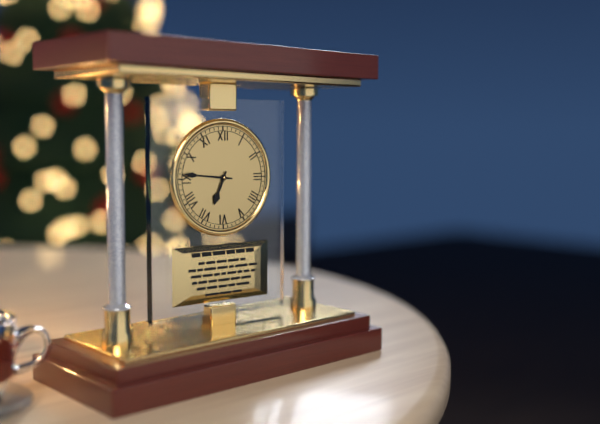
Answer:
6:46
